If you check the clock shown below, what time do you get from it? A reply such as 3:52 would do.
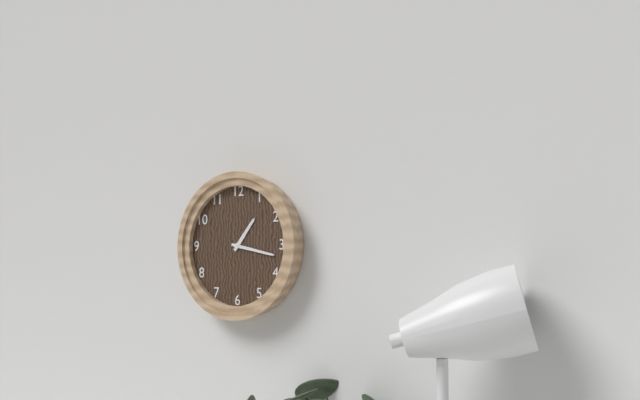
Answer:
1:17
